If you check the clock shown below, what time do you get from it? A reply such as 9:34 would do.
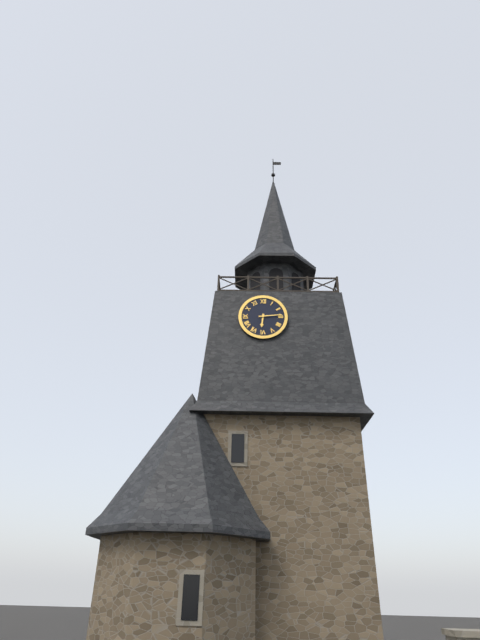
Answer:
6:14
